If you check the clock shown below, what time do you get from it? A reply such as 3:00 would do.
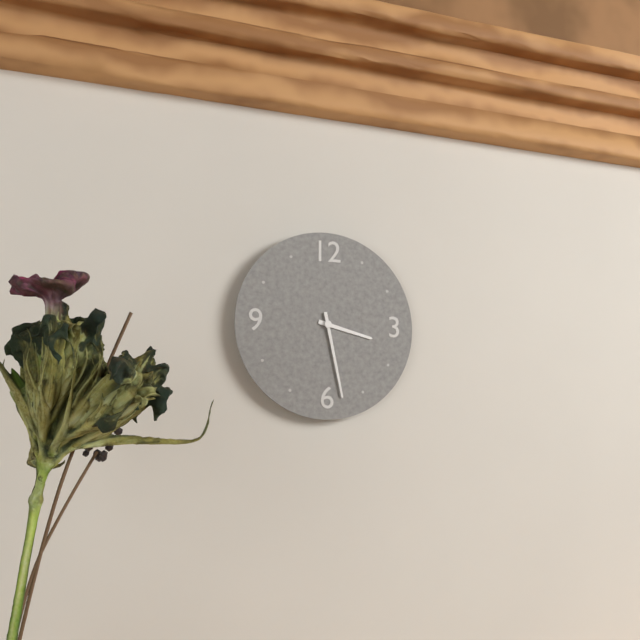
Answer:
3:28
